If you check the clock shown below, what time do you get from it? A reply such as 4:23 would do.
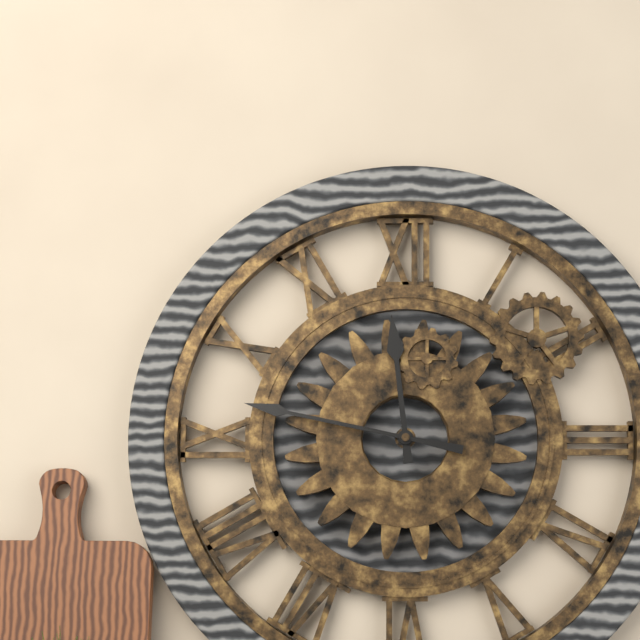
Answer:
11:47
